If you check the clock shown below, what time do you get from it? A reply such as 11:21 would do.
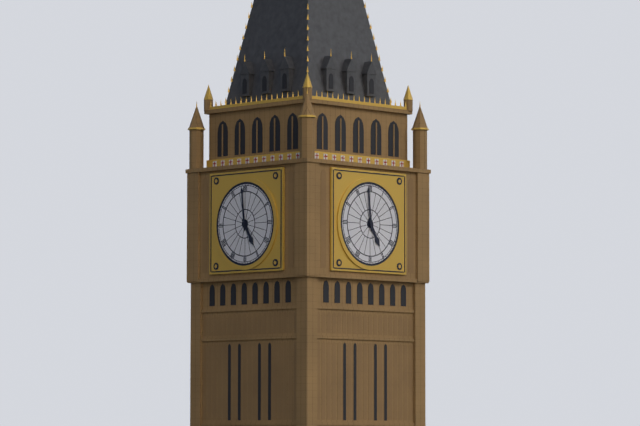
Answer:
4:59
